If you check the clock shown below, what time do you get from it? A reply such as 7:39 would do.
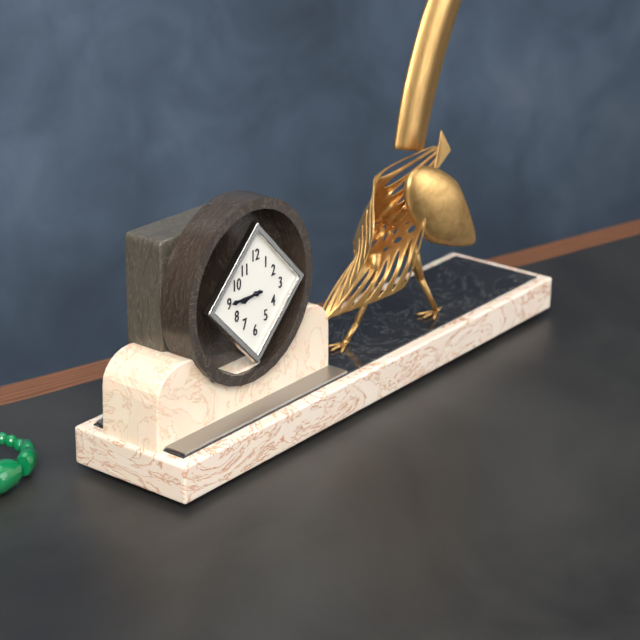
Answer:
8:45
